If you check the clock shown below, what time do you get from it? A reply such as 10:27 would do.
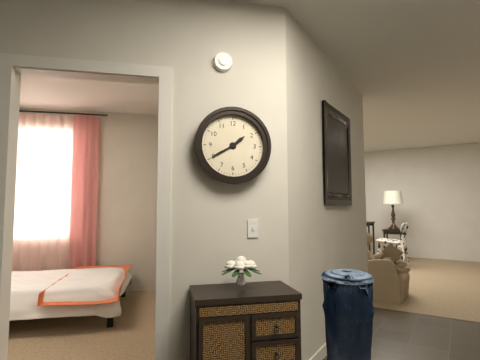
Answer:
1:40
